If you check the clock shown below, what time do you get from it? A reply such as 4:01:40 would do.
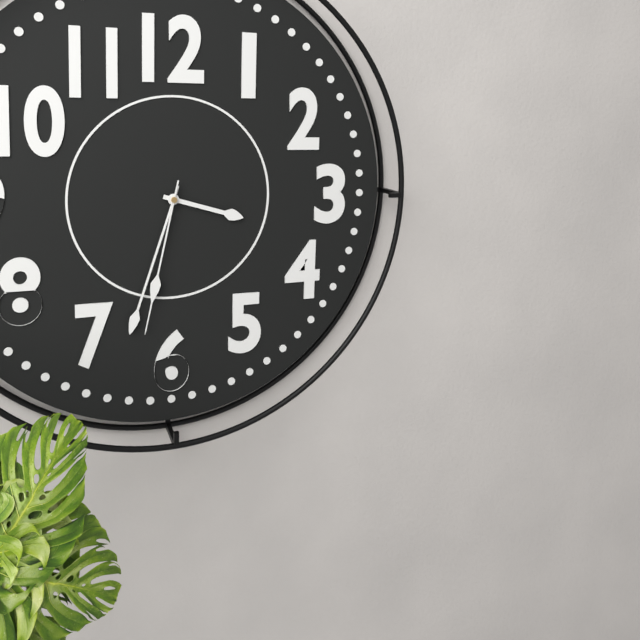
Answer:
3:33:32
